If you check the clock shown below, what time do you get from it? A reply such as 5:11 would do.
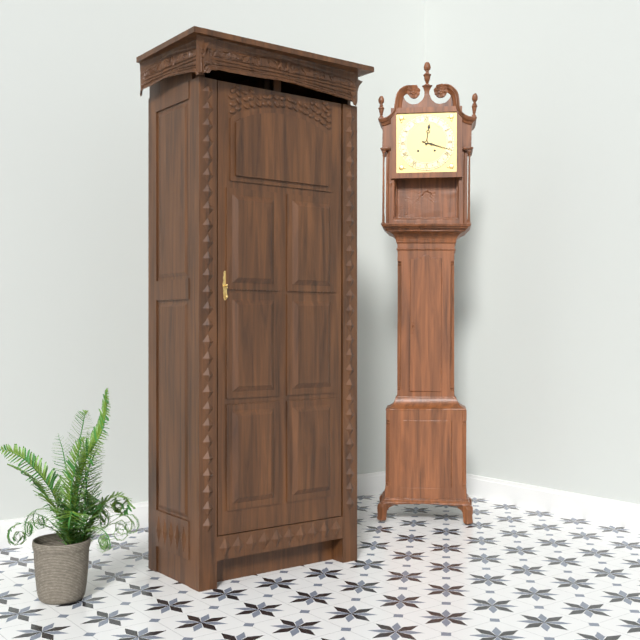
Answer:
12:18
